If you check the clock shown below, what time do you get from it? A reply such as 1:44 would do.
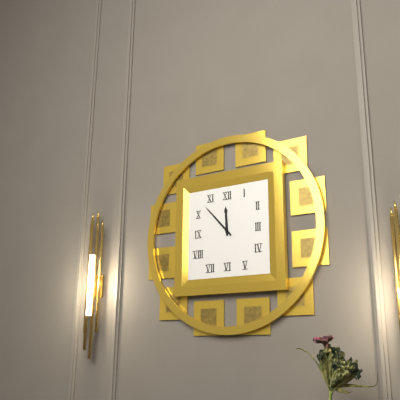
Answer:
11:53
